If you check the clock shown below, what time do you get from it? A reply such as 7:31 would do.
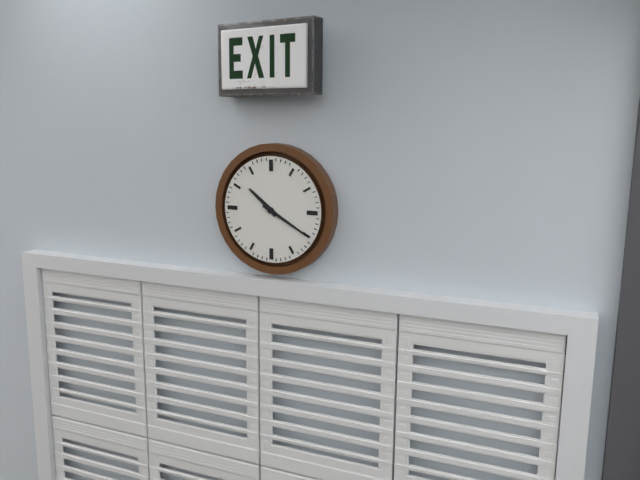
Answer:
10:20
